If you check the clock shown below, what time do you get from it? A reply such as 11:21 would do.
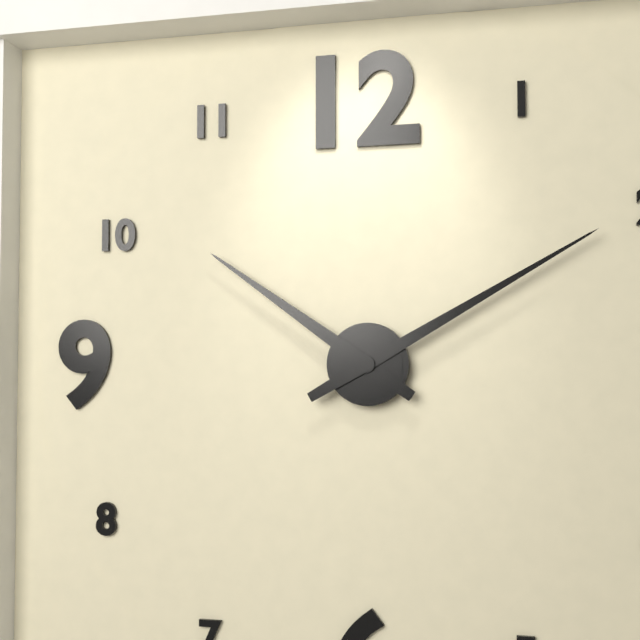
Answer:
10:10
